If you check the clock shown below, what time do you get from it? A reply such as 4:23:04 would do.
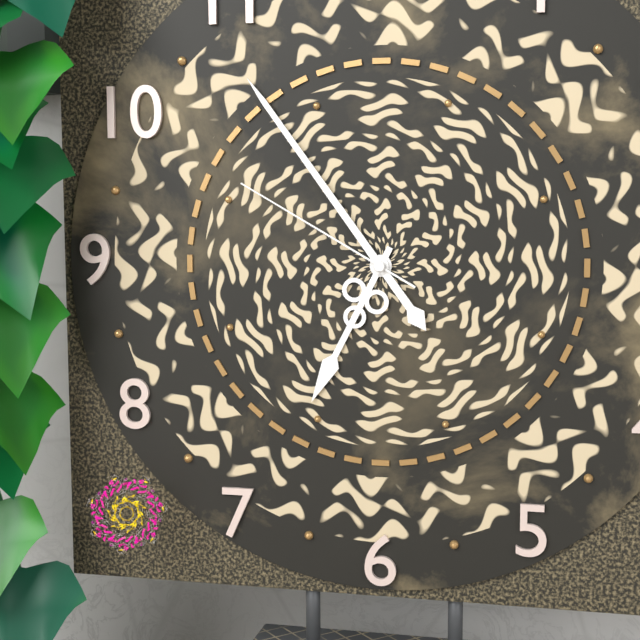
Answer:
6:54:50
